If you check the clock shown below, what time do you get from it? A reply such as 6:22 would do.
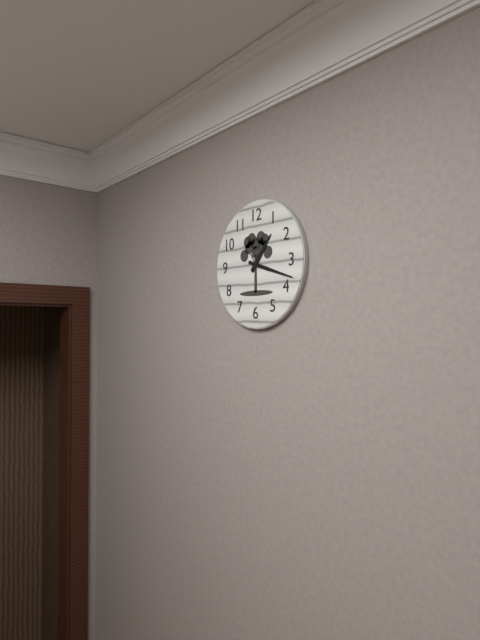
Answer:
1:18
